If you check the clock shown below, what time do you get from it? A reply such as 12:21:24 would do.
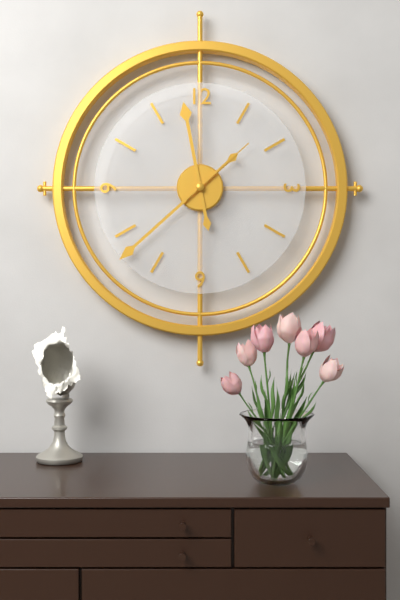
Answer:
11:38:08
